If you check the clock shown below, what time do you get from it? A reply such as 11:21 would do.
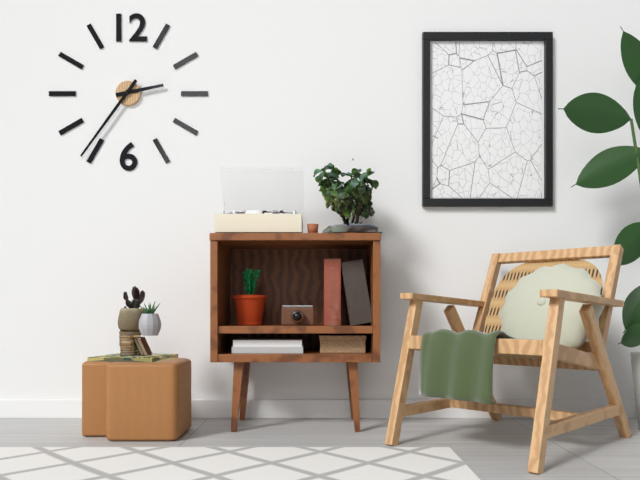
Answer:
2:36
